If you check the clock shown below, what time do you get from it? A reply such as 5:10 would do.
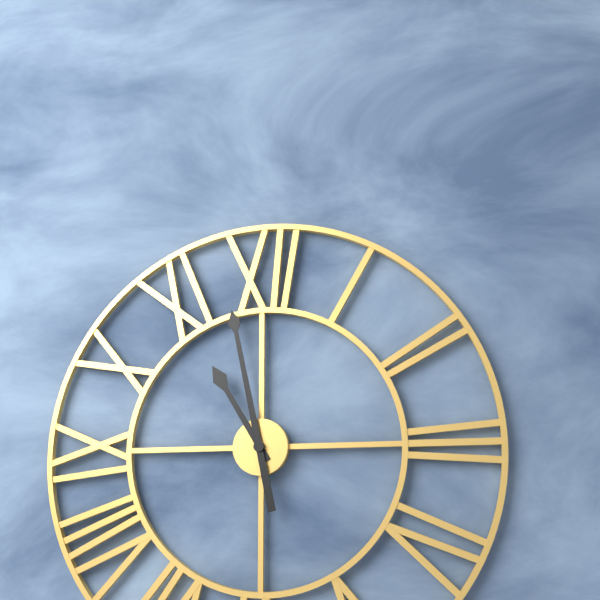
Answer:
10:58
